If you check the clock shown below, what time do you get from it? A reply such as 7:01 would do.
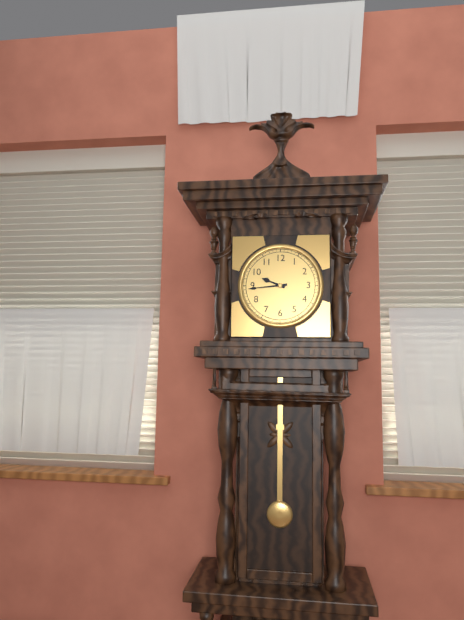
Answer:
9:44
